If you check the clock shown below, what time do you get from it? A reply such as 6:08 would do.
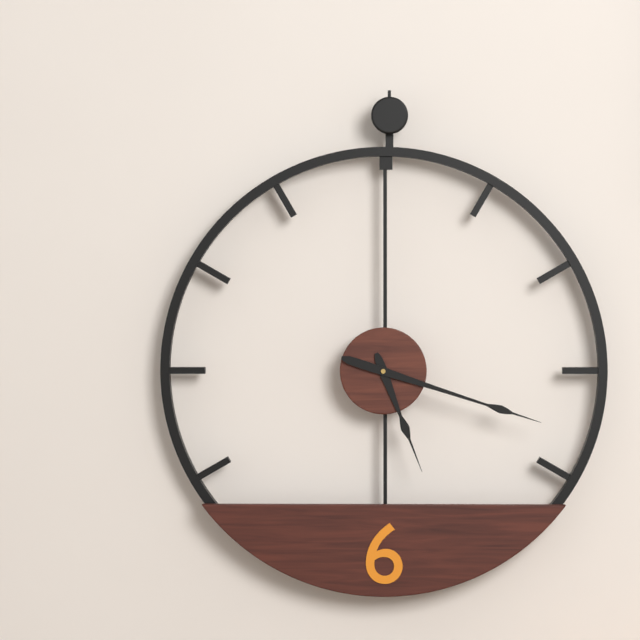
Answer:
5:18
